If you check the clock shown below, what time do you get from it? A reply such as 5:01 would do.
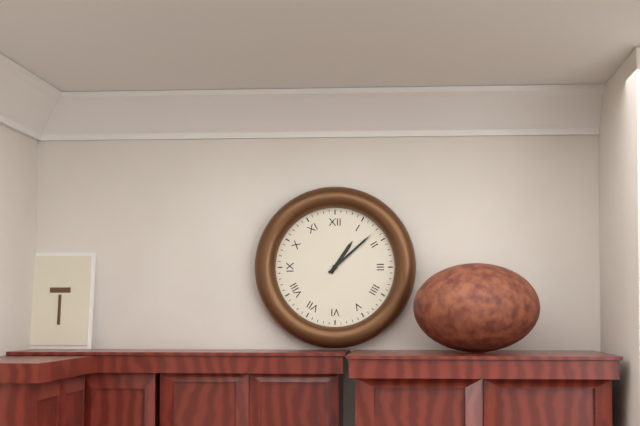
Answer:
1:08
